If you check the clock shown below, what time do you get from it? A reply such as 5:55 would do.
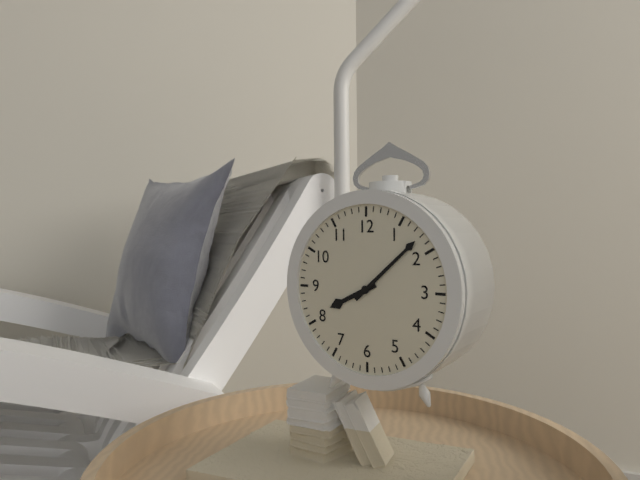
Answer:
8:08
